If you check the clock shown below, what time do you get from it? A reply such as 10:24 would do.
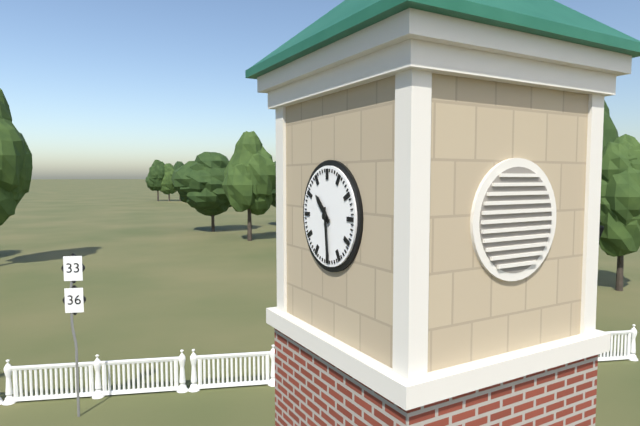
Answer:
10:29
